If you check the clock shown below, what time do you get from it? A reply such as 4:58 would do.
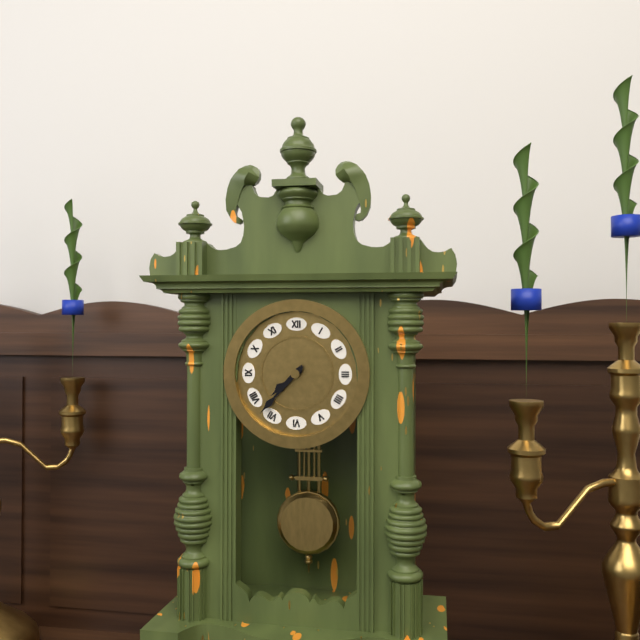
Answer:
7:37
